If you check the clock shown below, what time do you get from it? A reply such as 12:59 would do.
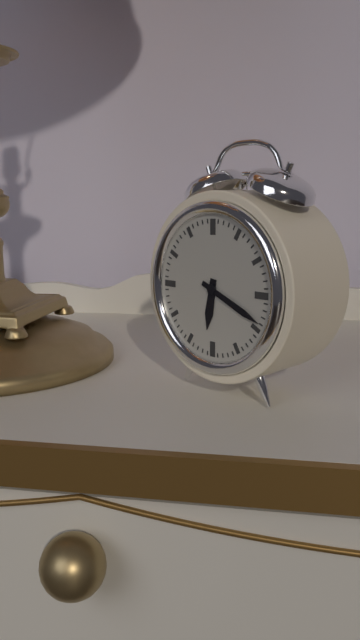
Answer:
6:19
